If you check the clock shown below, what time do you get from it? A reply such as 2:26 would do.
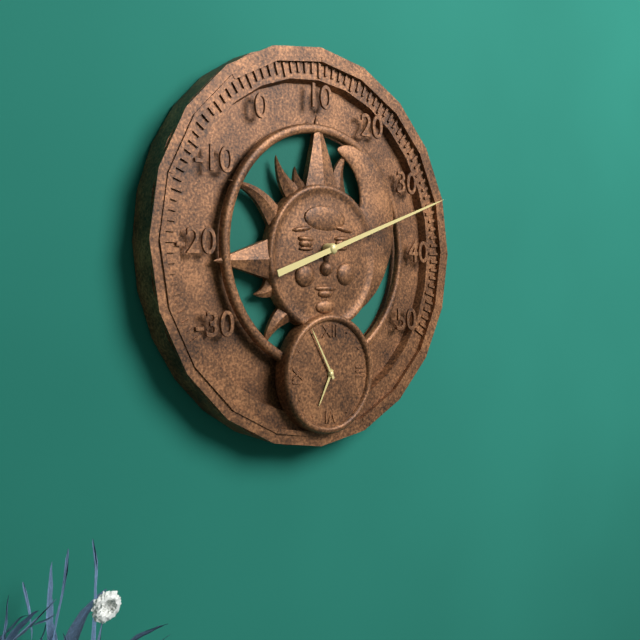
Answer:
6:55
